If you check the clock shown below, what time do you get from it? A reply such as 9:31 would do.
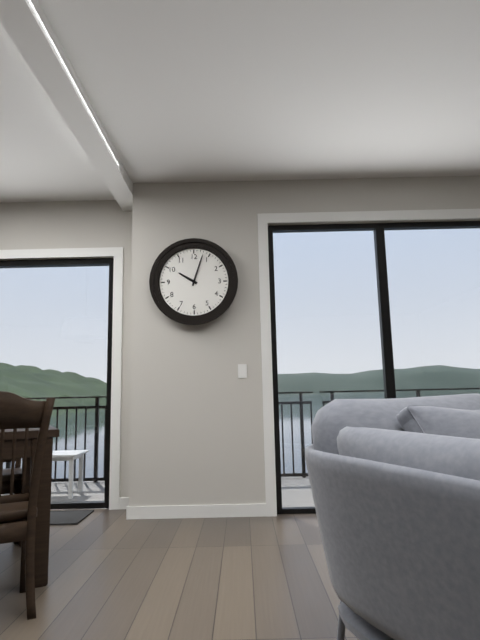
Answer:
10:03
